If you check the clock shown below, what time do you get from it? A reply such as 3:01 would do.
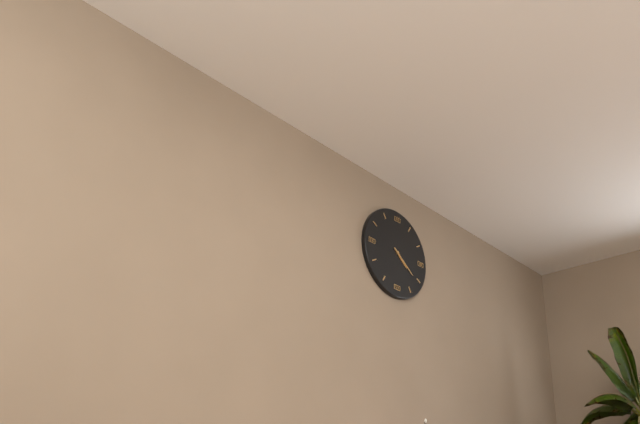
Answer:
4:21
